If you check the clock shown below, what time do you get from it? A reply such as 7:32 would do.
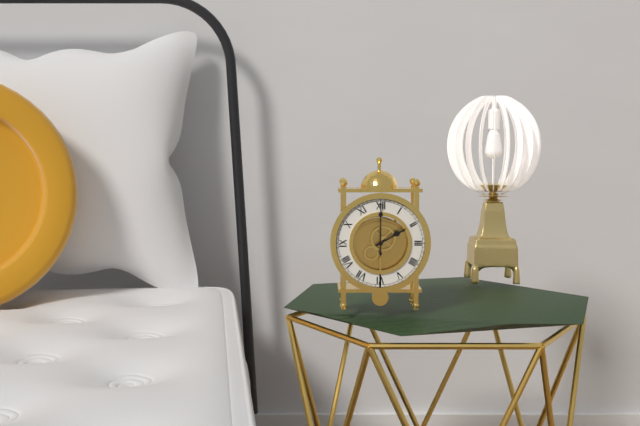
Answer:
2:00
